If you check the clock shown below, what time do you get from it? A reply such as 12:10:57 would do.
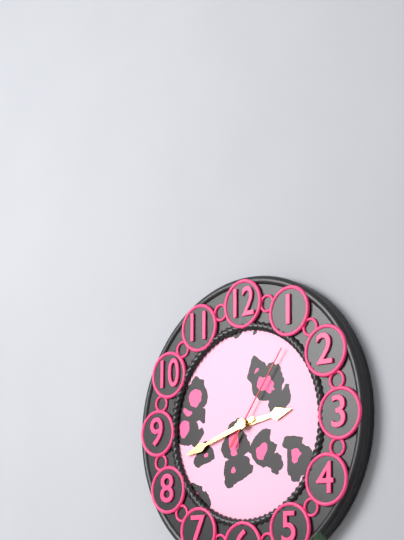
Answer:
2:42:06
